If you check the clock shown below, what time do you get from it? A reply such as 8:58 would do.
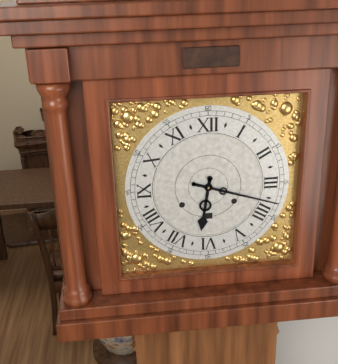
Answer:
6:18
